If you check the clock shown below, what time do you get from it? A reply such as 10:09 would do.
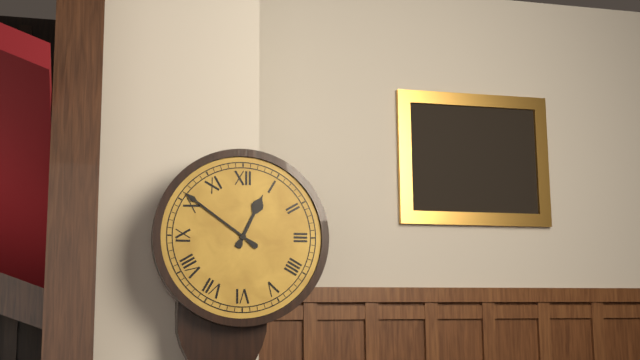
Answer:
12:51
